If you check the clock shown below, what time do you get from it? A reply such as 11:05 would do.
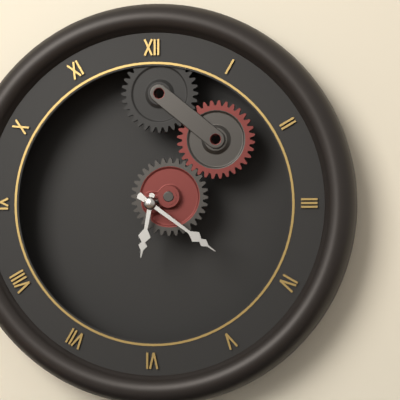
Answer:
6:21
